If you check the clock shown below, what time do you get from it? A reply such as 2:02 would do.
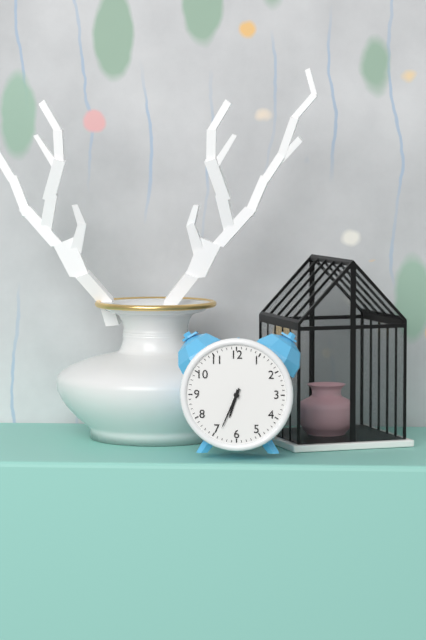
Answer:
6:34
